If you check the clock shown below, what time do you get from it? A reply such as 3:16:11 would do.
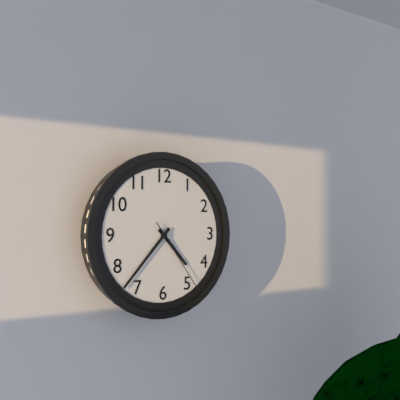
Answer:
4:37:24
